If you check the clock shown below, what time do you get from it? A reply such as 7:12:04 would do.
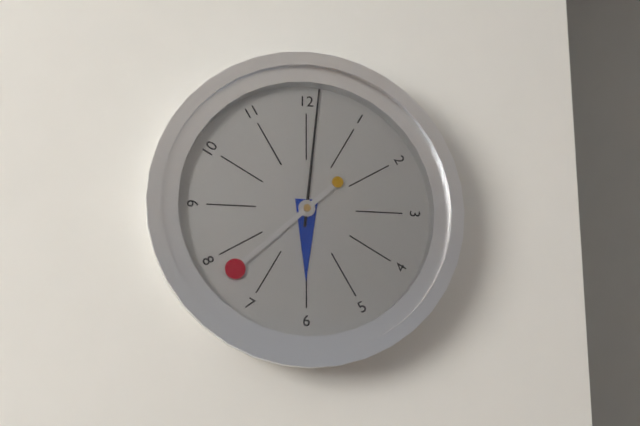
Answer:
6:01:38
